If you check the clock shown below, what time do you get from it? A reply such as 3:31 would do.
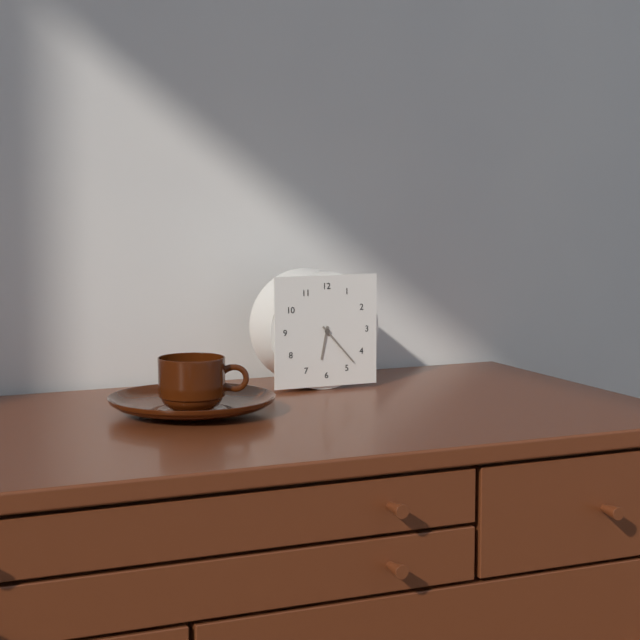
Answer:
6:23
